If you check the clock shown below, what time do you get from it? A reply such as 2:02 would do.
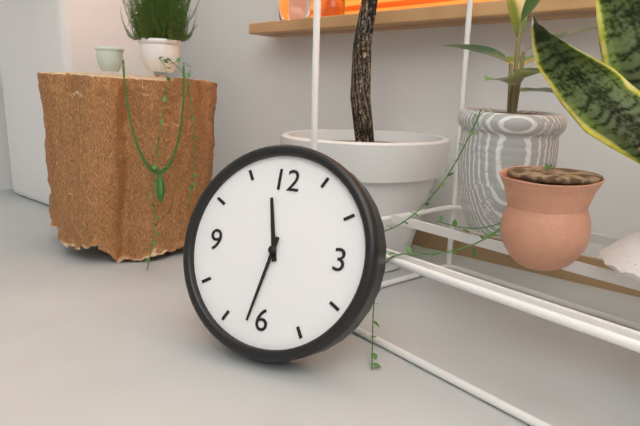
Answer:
11:32
